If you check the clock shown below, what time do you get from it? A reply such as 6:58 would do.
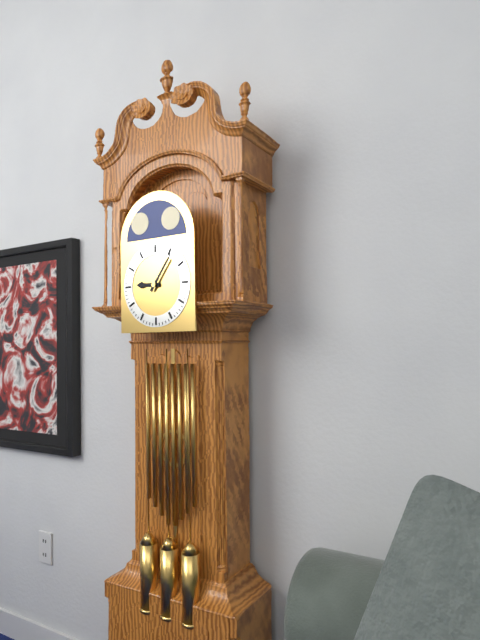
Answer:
9:06
